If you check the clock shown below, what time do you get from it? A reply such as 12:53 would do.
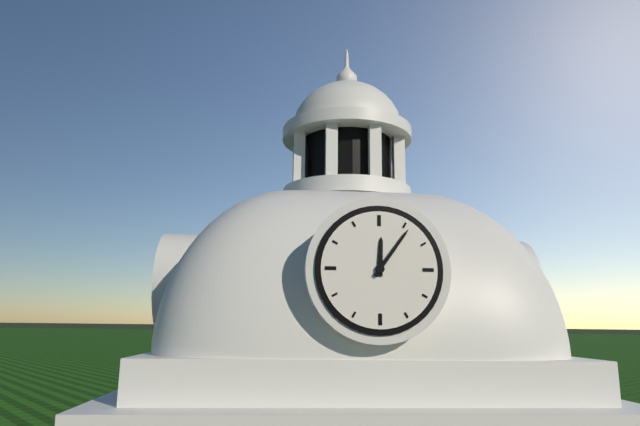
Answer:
12:06
